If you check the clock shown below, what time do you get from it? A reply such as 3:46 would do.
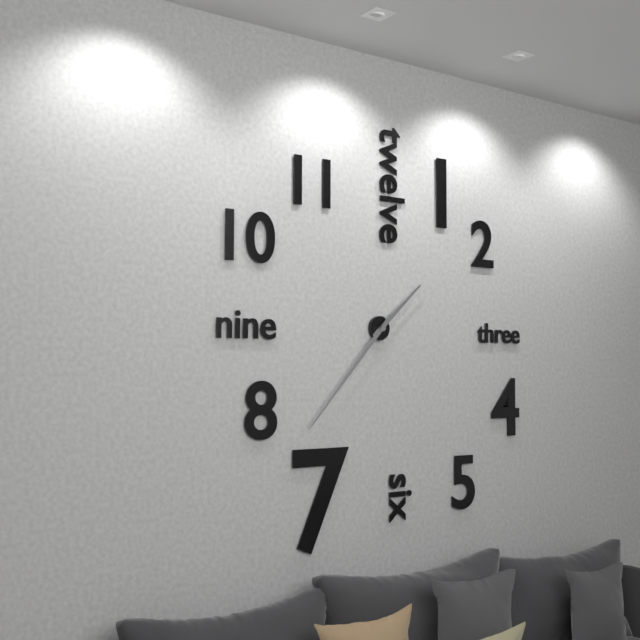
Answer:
1:37
